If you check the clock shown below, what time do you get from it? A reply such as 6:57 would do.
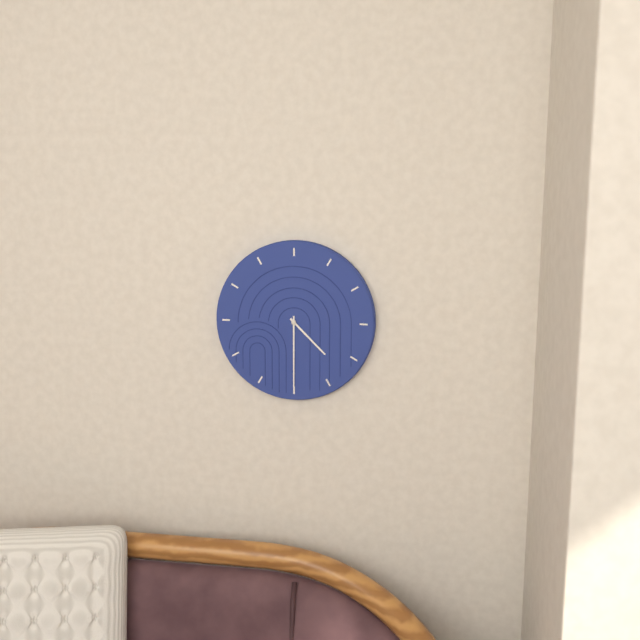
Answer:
4:30
